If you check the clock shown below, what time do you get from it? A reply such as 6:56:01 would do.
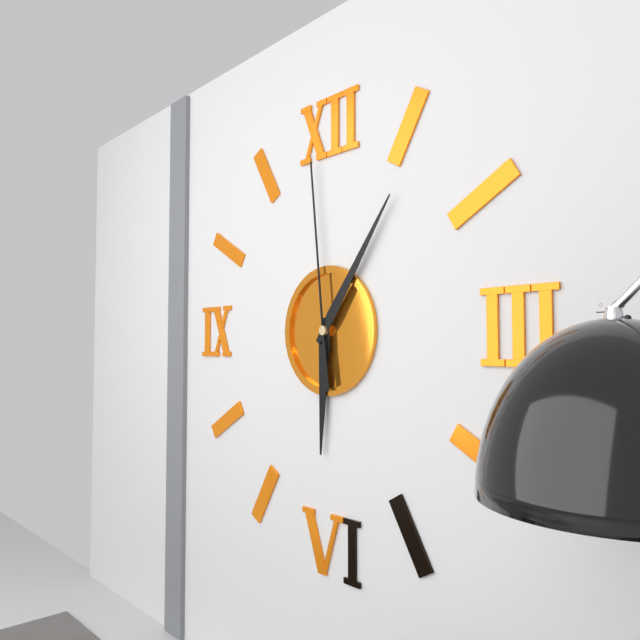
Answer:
6:06:59
